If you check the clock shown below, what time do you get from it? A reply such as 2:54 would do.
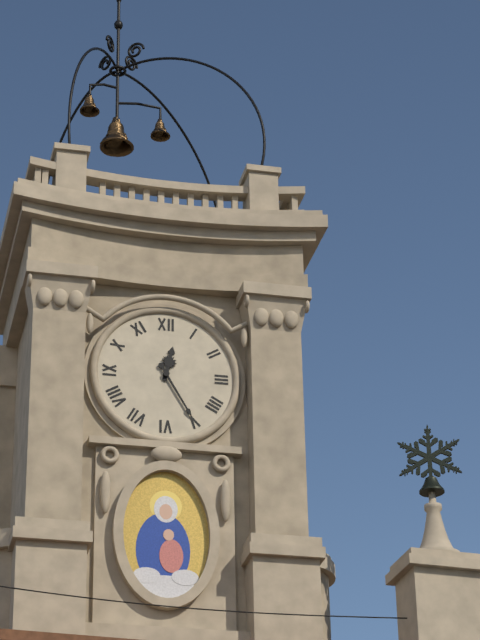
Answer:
12:25
